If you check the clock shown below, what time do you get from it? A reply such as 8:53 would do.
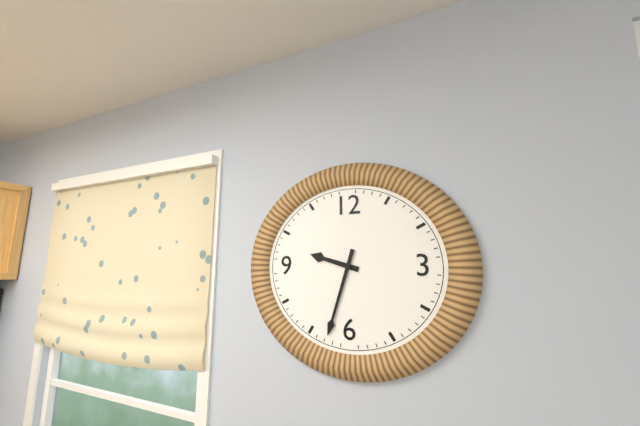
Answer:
9:33
